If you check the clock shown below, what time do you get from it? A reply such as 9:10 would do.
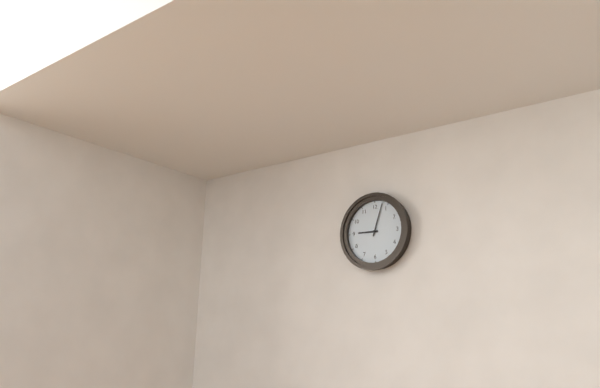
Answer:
9:03
